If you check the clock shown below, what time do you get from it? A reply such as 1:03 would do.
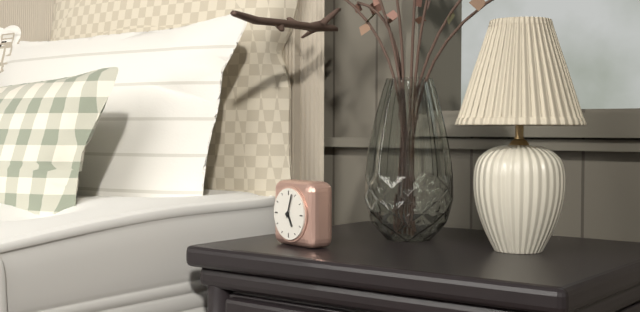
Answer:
5:03
